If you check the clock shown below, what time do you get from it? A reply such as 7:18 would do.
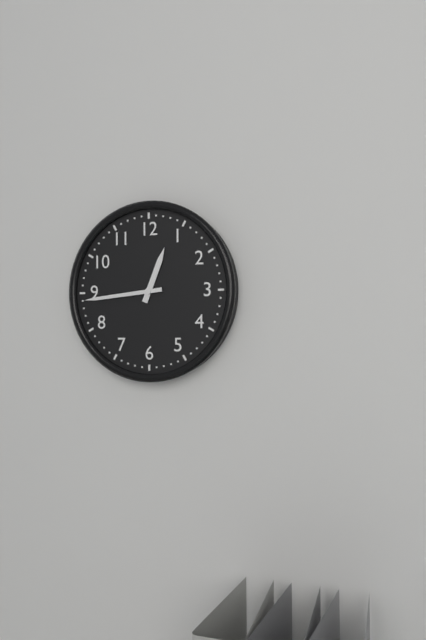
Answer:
12:44
